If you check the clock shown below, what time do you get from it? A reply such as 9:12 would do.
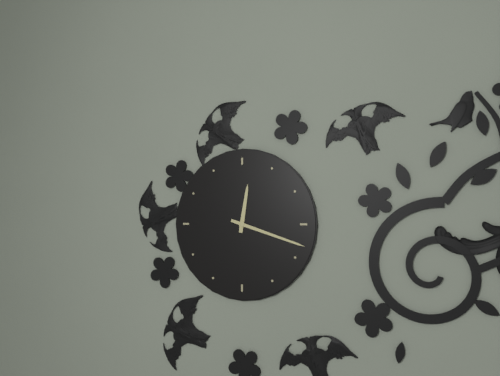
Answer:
12:18
